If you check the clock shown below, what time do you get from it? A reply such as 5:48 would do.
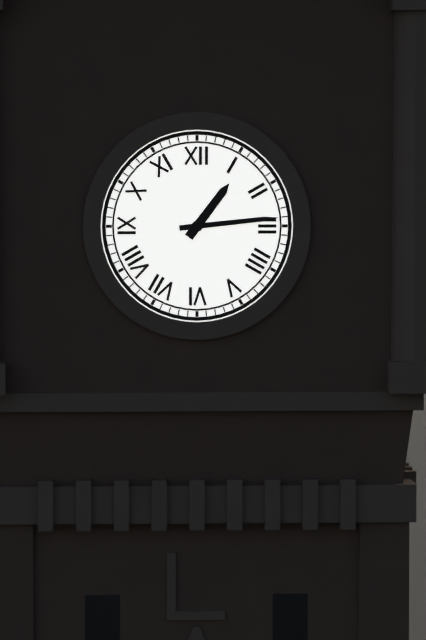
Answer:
1:14
